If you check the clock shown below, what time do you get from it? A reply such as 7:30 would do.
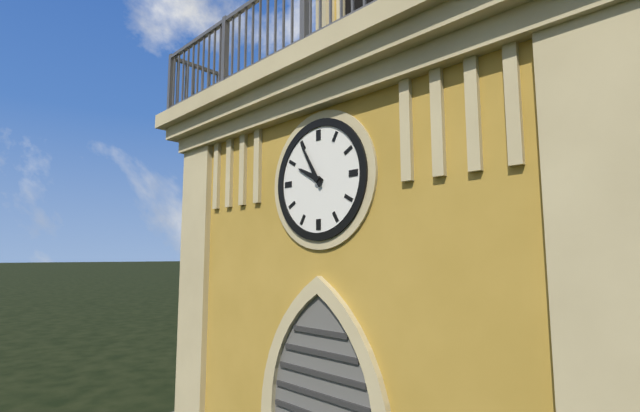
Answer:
9:55
